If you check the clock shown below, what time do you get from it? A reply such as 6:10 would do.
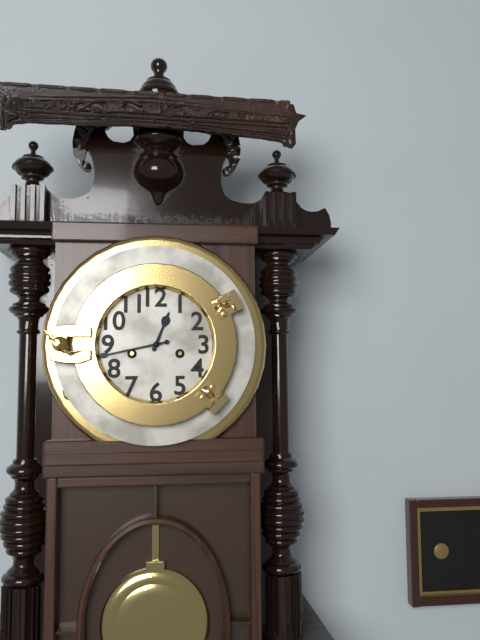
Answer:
12:43
